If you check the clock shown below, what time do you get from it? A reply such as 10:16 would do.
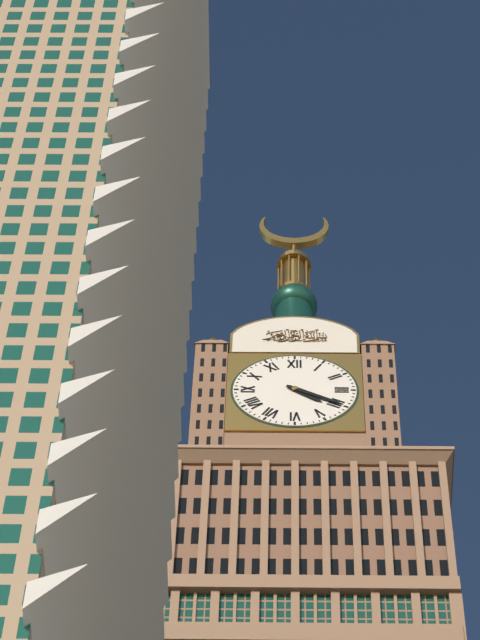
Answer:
4:20
